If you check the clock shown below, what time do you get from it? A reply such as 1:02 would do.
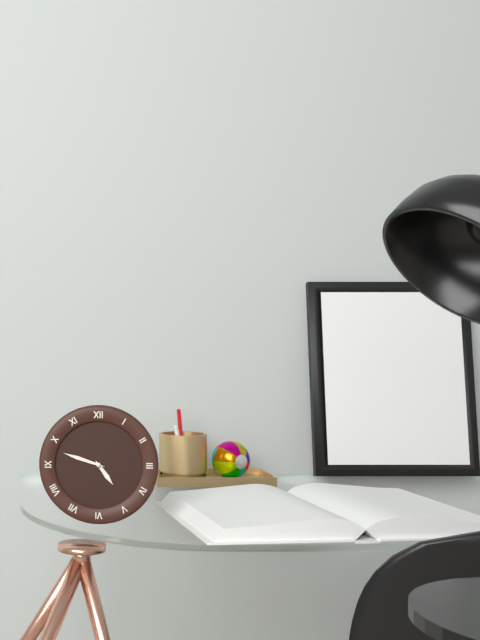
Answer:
4:48
